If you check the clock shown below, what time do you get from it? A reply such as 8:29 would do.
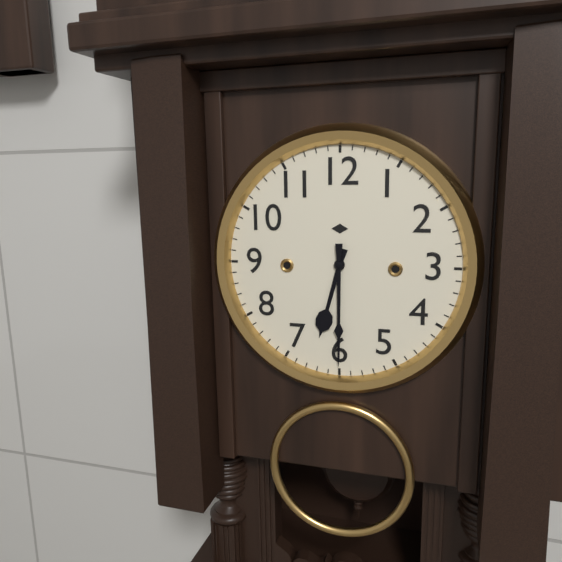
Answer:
6:30
